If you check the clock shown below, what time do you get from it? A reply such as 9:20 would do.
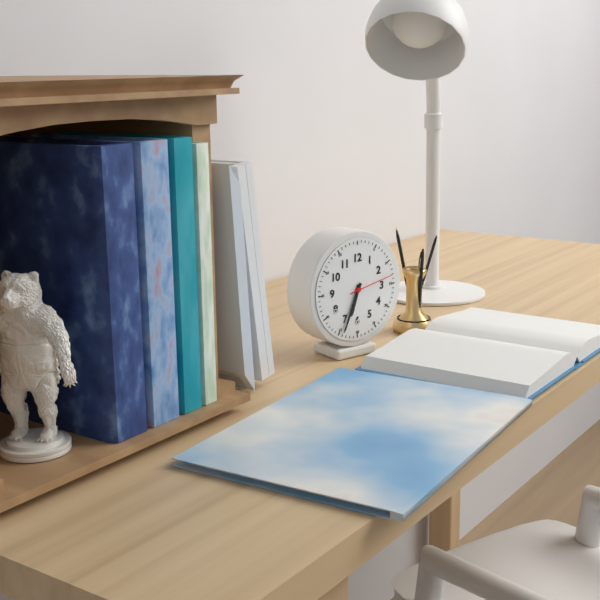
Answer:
6:34
